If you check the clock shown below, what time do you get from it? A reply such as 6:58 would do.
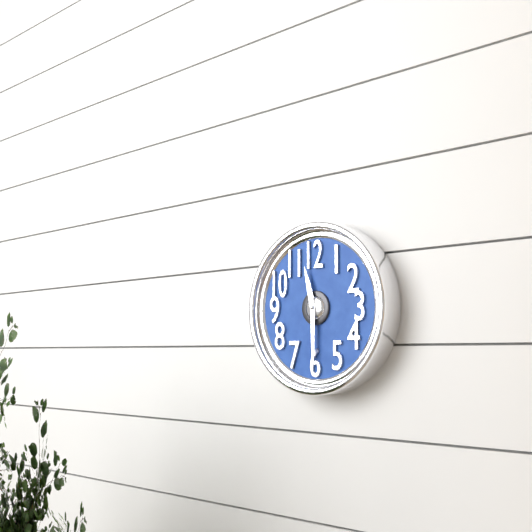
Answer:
11:30
